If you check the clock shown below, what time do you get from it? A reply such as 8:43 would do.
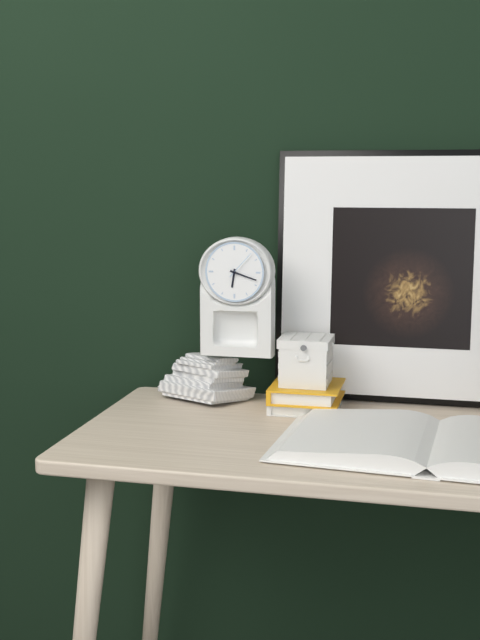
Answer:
6:18
